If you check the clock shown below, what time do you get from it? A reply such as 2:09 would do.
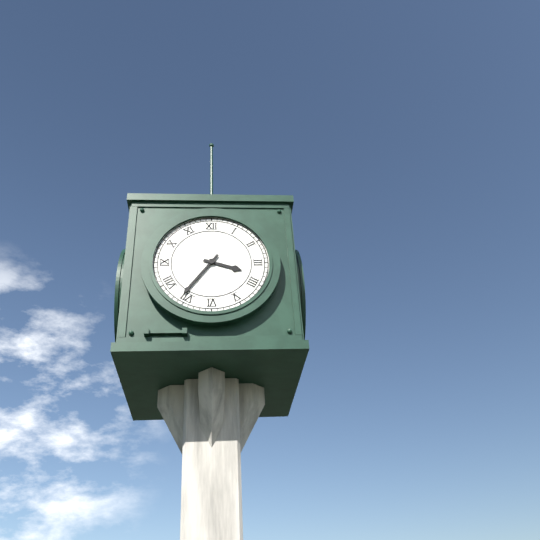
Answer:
3:36
